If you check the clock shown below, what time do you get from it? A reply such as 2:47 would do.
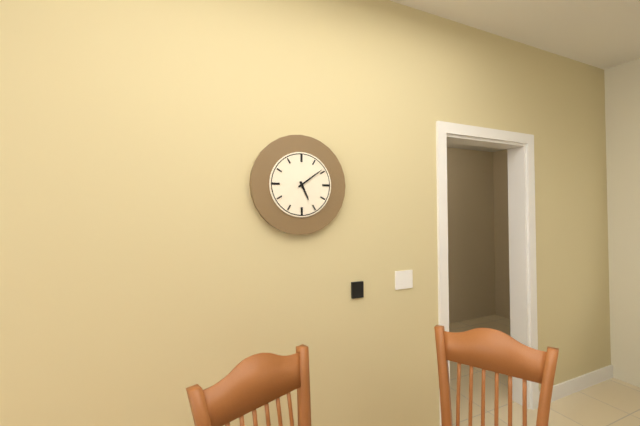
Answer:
5:09
